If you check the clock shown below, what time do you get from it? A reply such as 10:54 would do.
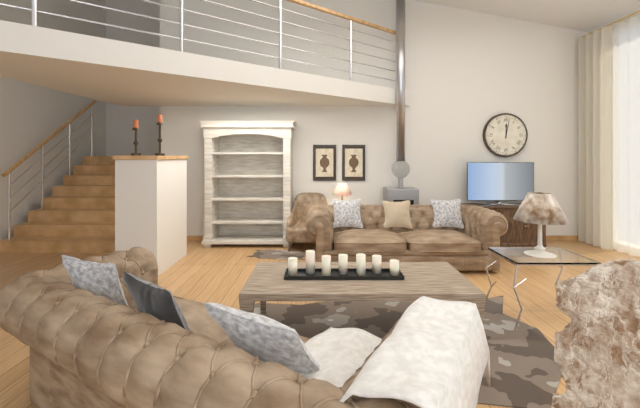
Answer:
12:02
